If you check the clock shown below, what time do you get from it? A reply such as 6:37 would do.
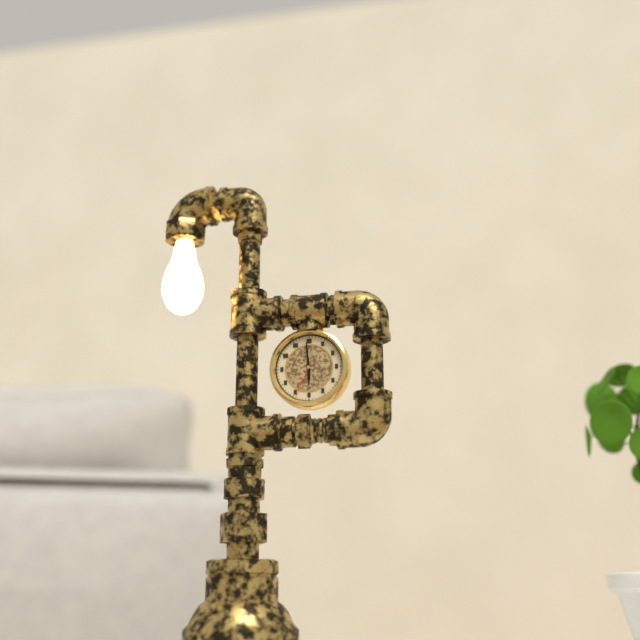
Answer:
5:59
